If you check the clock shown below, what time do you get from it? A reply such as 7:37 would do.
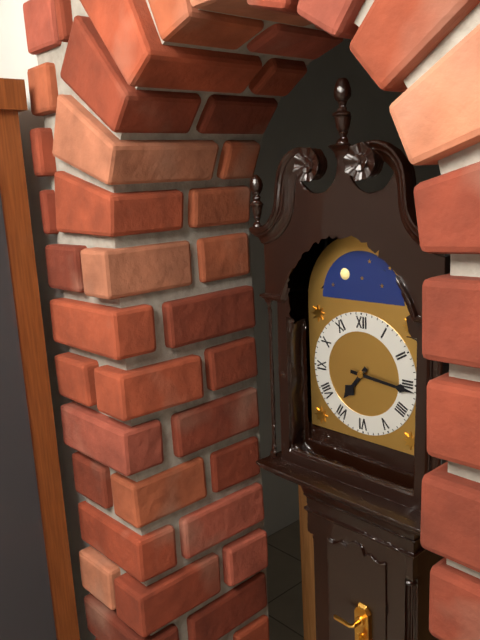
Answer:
7:16
